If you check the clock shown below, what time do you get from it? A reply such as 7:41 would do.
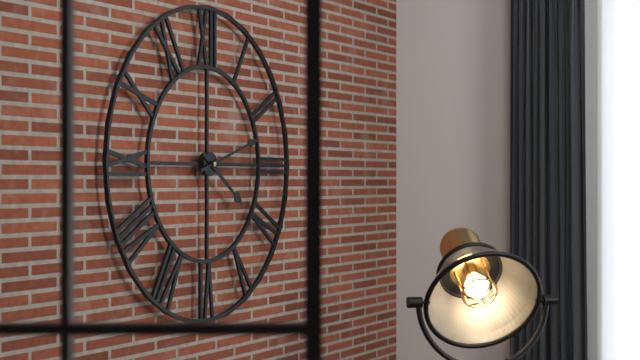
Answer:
4:12
